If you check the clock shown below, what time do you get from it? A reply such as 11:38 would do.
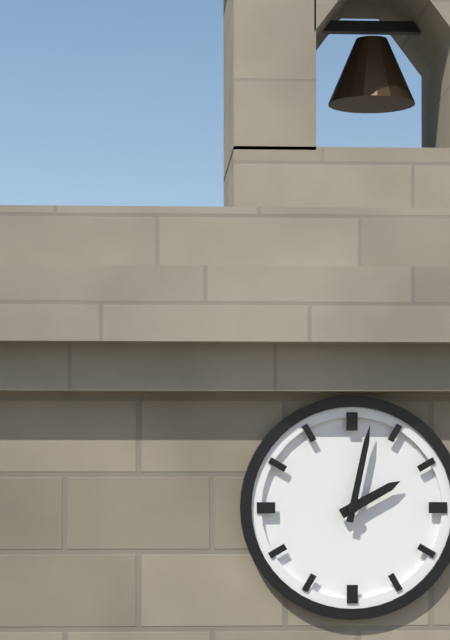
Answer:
2:02
